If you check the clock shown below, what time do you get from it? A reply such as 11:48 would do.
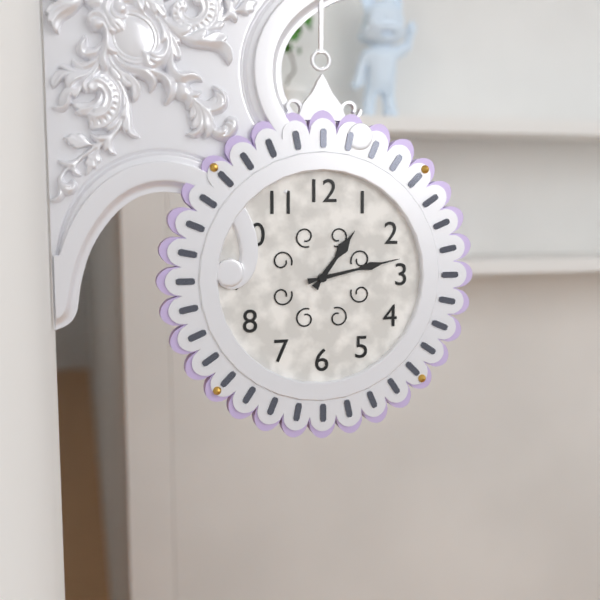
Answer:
1:13
